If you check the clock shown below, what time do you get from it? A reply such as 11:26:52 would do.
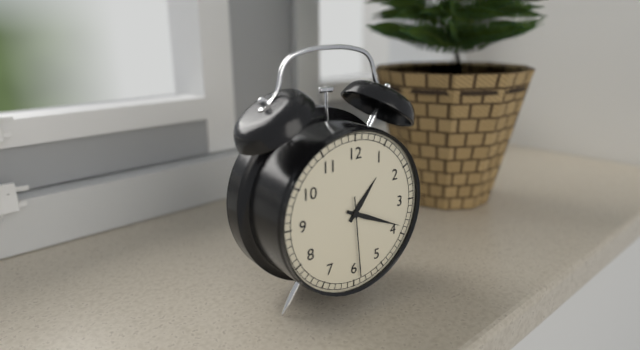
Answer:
1:19:29
